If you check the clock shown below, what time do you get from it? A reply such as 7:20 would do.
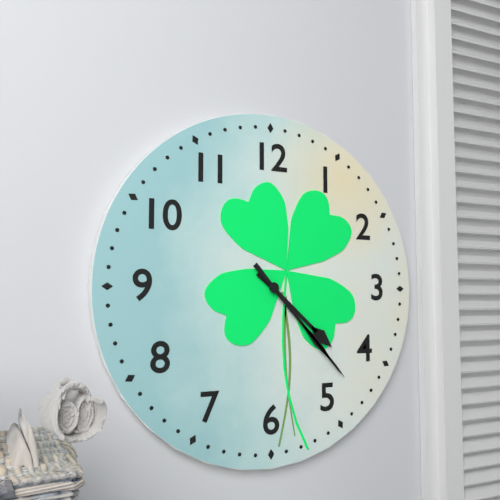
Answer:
4:23
